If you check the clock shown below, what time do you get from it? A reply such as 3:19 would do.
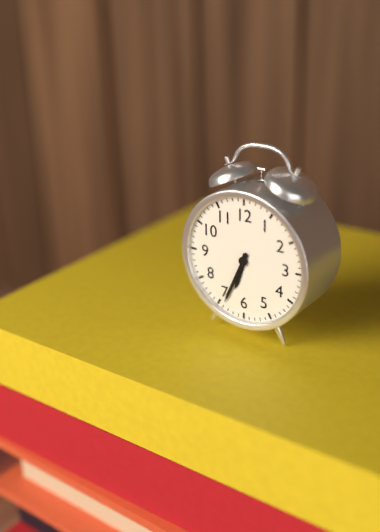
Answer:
6:34
